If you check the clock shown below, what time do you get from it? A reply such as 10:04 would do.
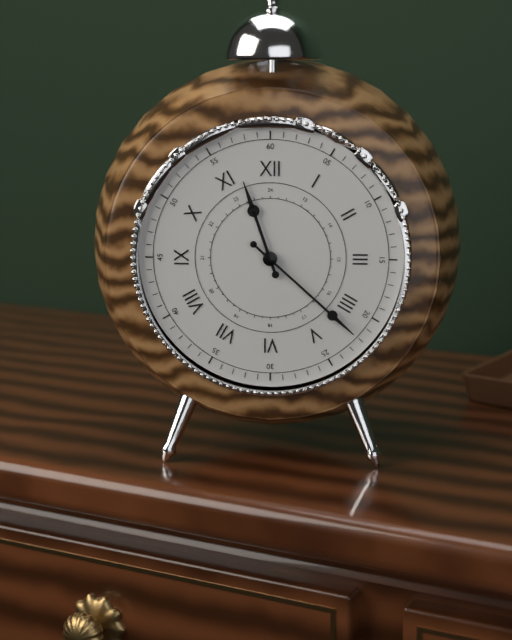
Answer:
11:22
